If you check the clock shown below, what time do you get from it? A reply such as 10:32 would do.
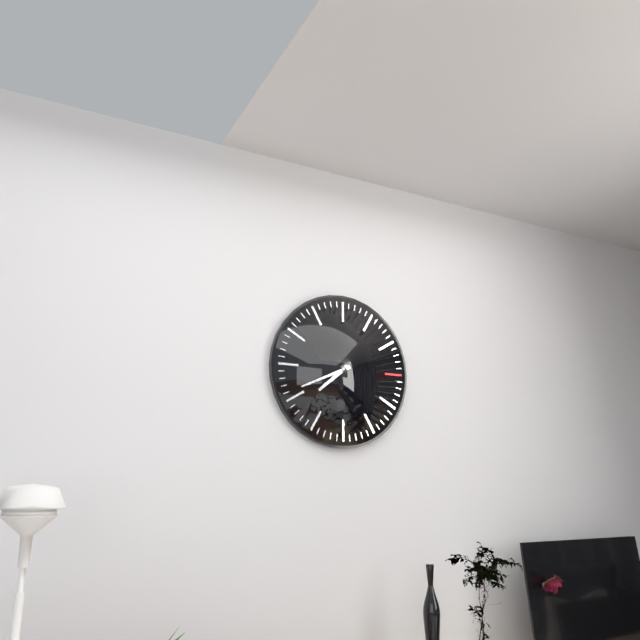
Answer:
7:41
